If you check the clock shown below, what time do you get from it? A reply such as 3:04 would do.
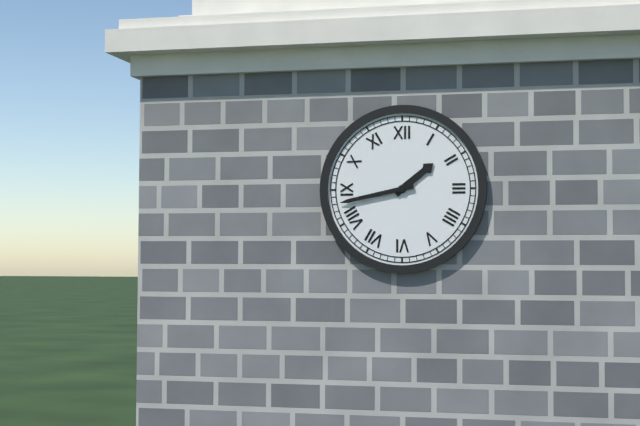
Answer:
1:43
